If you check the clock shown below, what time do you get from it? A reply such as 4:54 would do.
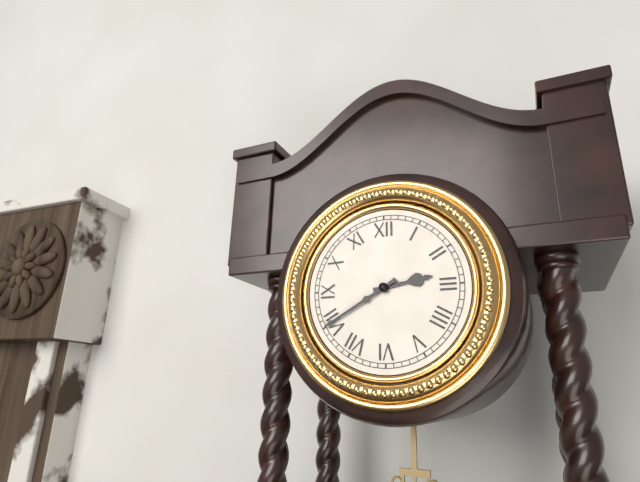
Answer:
2:40
